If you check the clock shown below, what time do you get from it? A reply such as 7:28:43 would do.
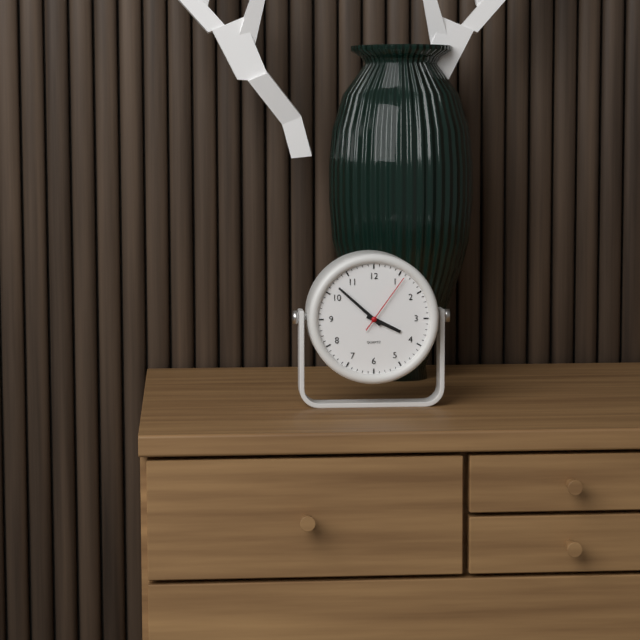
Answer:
3:52:06
